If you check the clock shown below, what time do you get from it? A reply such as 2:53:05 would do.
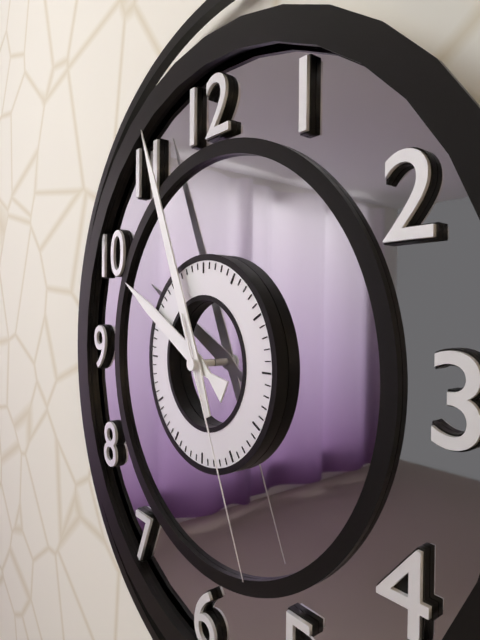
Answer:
9:56:26
